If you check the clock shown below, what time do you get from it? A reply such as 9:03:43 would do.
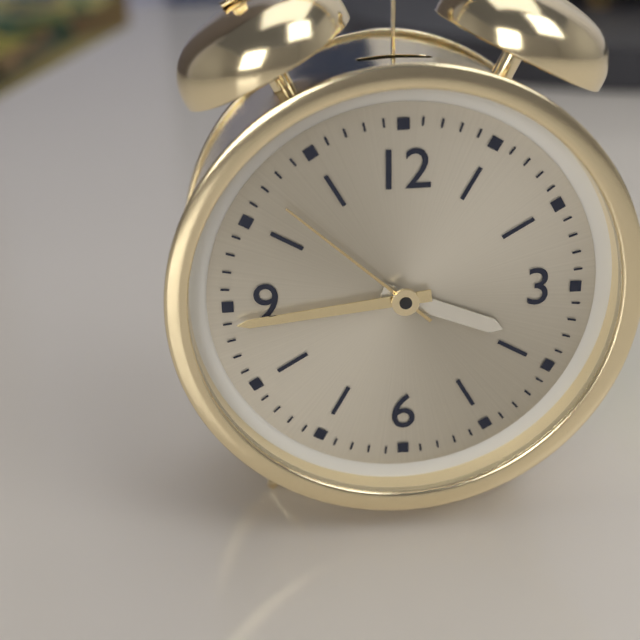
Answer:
3:44:52
